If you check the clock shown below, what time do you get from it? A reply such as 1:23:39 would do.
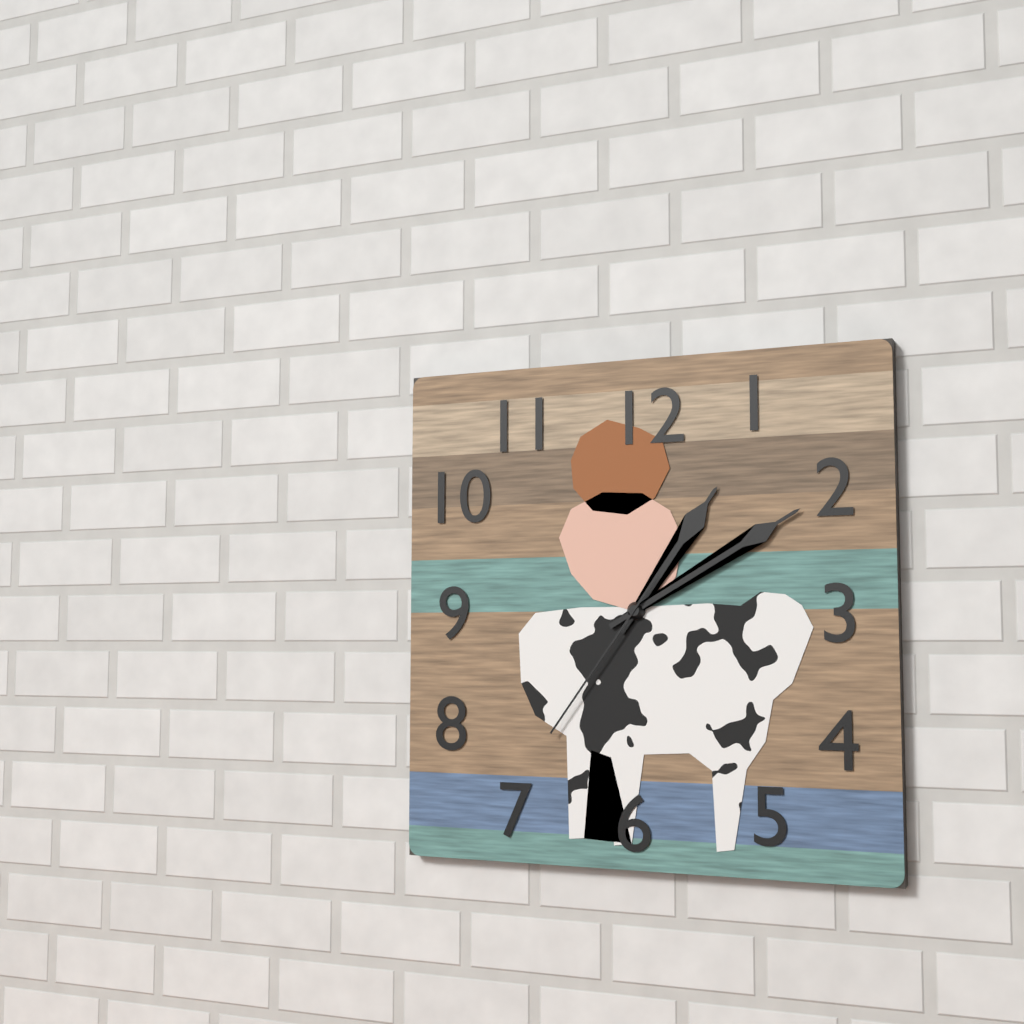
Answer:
1:10:36
